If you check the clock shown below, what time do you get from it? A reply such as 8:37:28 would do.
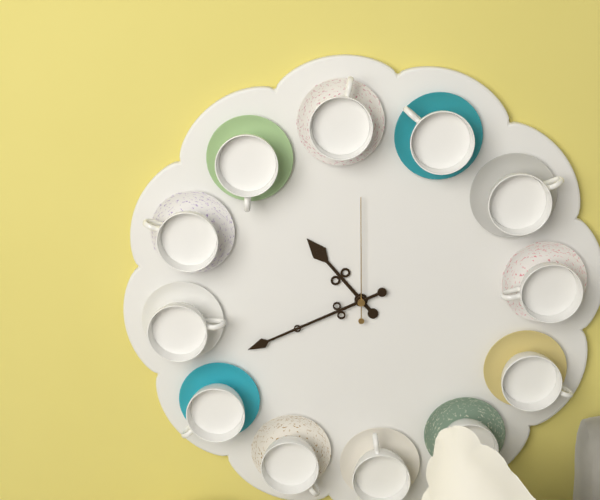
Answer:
10:41:00
